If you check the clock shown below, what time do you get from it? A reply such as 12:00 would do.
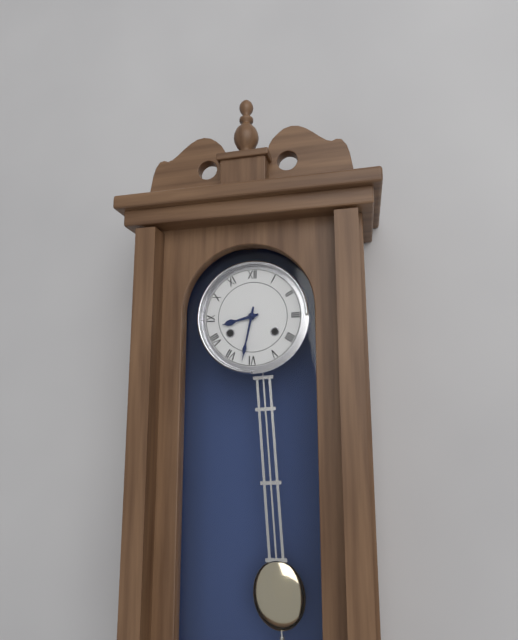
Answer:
8:32
